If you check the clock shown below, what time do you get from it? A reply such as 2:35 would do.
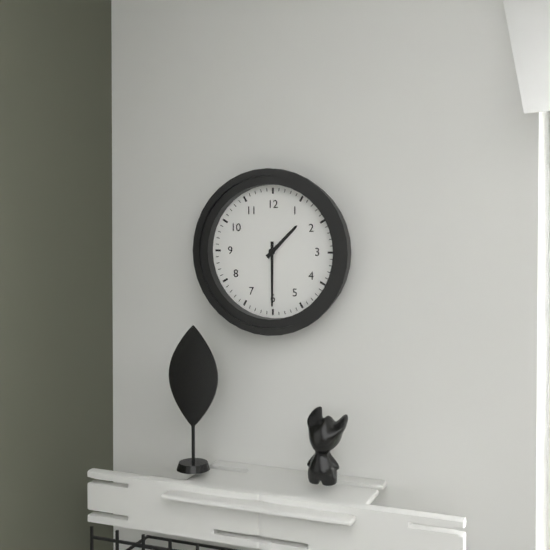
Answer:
1:30
